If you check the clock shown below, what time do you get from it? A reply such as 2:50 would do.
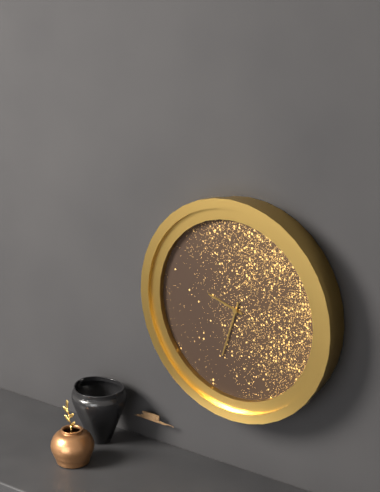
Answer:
9:33
